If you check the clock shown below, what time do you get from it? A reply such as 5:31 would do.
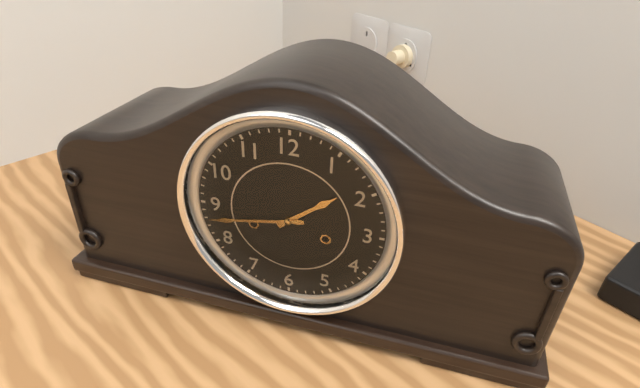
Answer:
1:43
